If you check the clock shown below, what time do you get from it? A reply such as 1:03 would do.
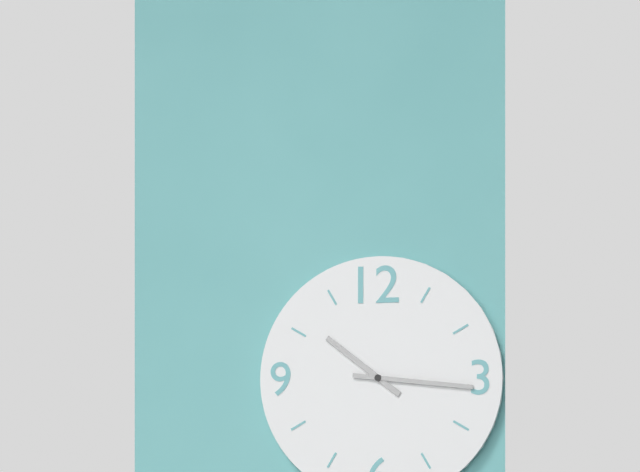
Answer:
10:16
